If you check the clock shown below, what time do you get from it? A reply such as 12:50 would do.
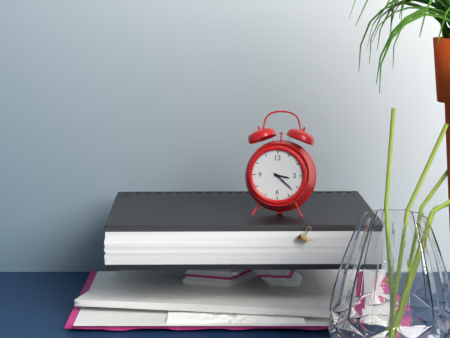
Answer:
3:22
